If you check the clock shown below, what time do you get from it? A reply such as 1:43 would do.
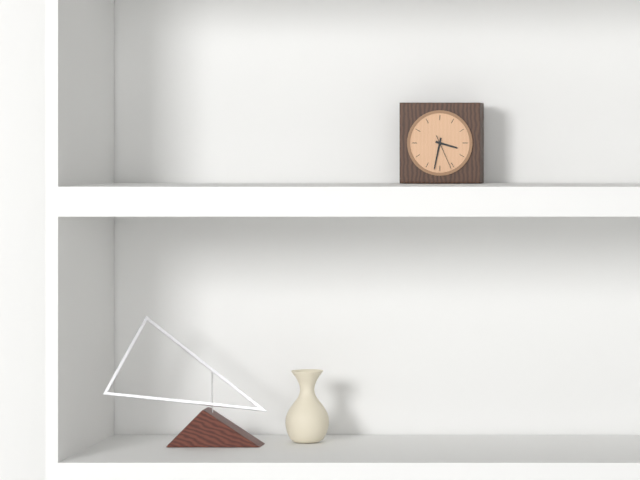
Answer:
3:32
